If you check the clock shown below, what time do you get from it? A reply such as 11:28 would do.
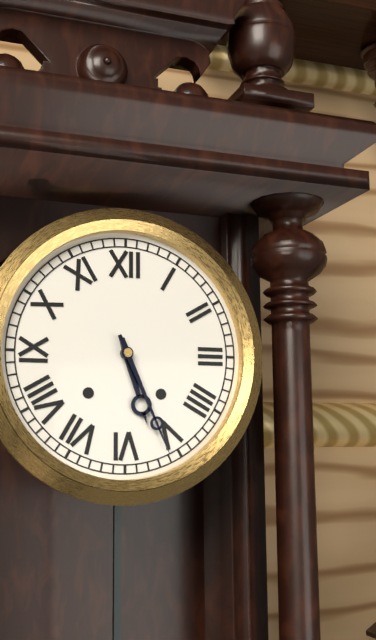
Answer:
5:26
